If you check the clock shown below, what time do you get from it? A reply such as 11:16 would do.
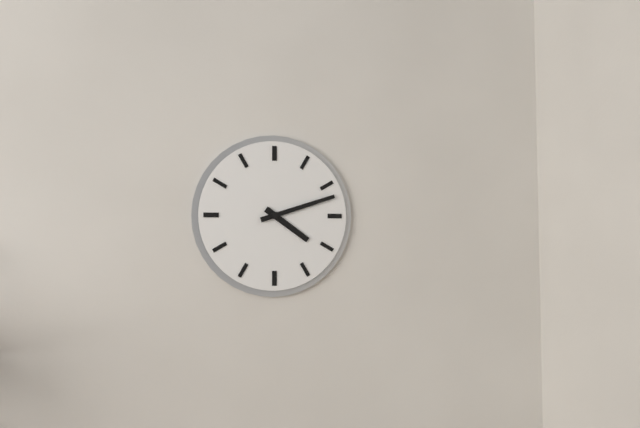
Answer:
4:12
